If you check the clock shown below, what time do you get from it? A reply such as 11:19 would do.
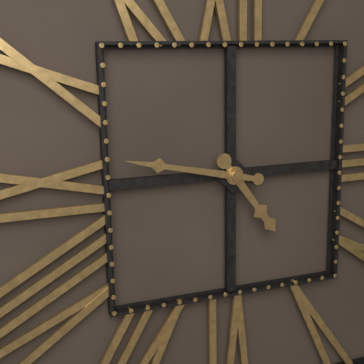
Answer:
4:47
